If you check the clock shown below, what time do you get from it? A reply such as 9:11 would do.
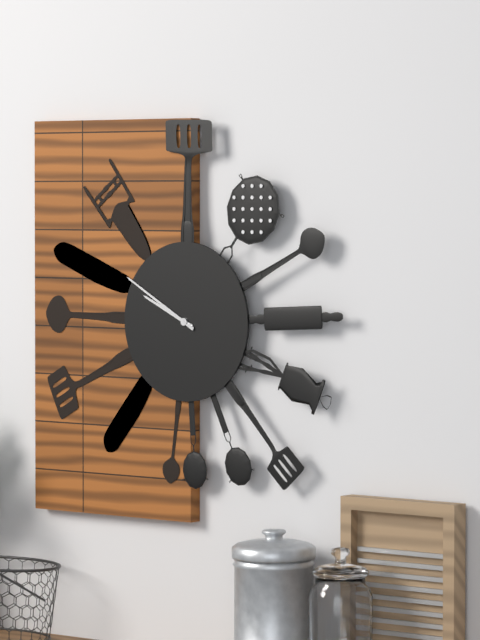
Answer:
9:50
